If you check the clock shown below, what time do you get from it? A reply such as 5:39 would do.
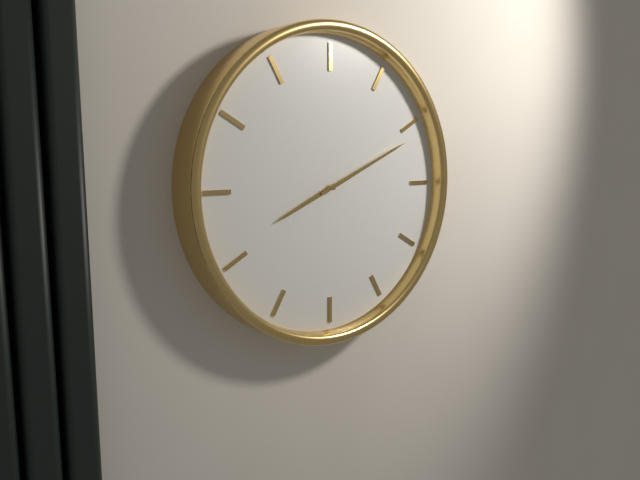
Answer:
8:11
